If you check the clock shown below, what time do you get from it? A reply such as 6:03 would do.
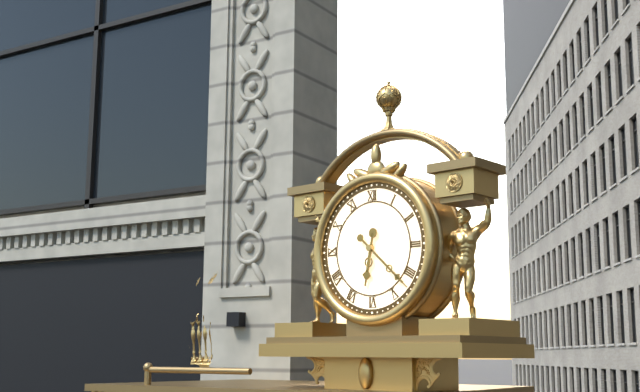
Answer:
6:22
